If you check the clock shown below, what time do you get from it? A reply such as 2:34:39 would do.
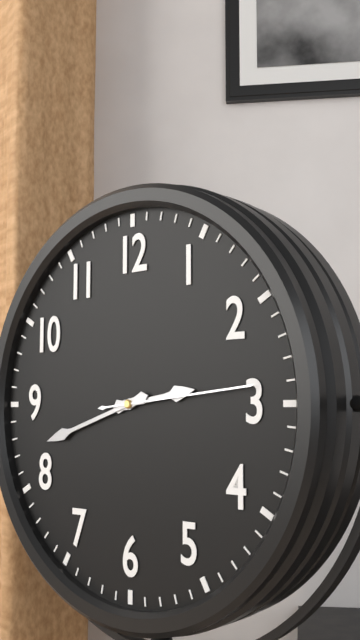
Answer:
2:42:14
